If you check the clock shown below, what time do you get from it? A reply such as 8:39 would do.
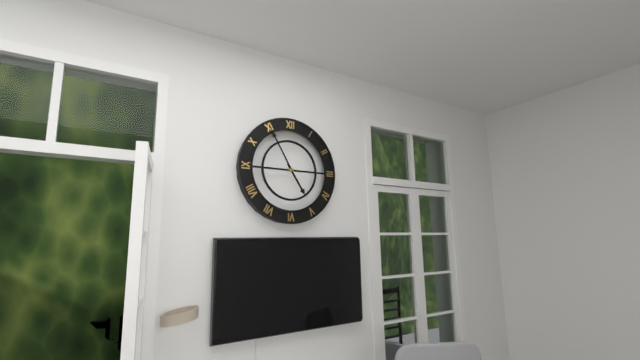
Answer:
4:55
